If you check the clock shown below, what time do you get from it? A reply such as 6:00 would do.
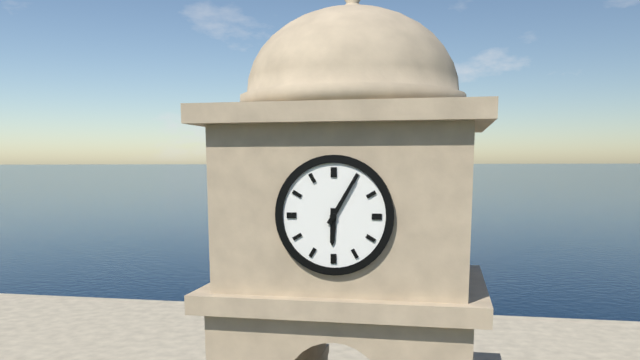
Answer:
6:05
